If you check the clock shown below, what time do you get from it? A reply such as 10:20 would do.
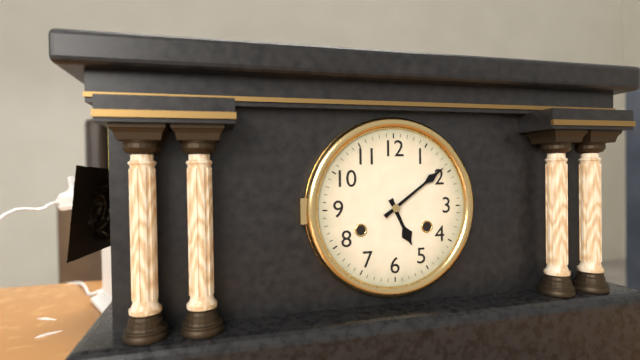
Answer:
5:09
